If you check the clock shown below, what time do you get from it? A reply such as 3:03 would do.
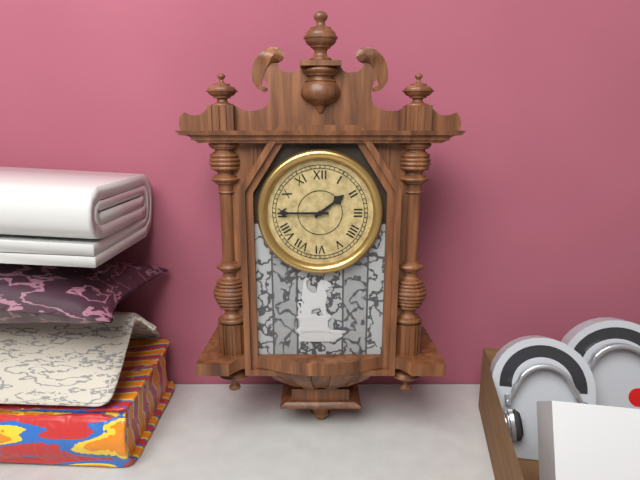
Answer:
1:45
